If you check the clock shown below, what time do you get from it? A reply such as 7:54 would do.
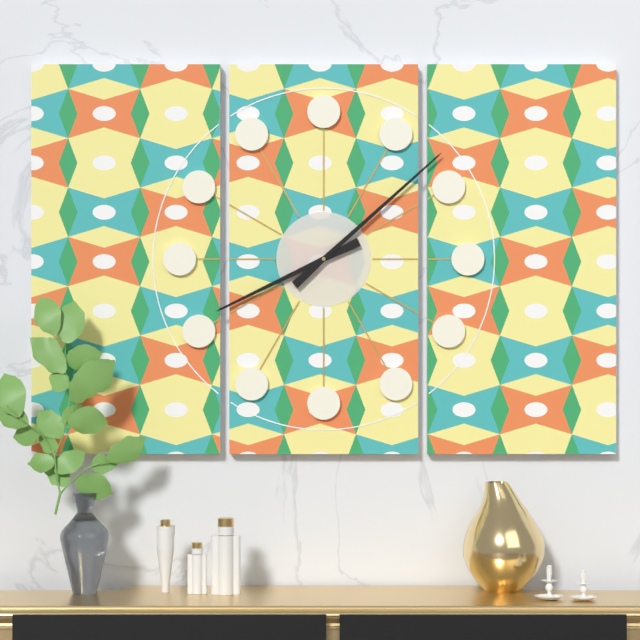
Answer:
8:08
